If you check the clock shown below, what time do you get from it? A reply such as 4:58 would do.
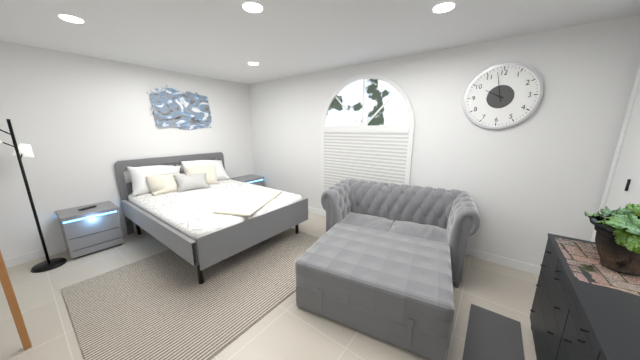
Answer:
9:58
